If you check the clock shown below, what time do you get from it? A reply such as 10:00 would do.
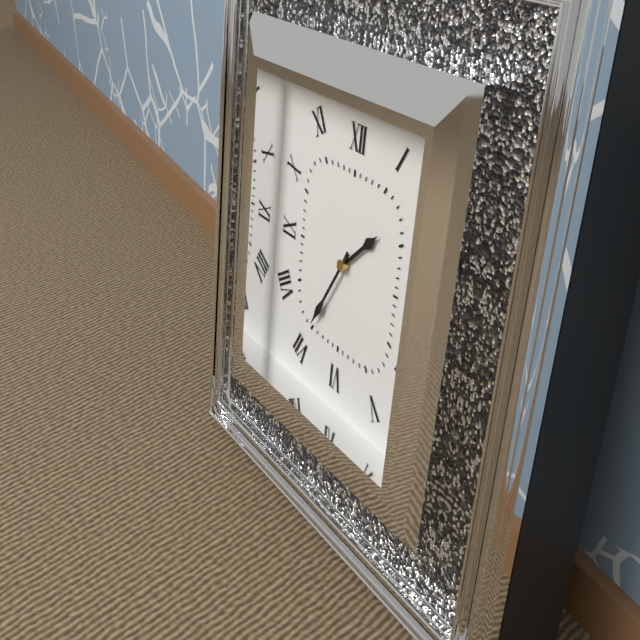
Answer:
1:35
